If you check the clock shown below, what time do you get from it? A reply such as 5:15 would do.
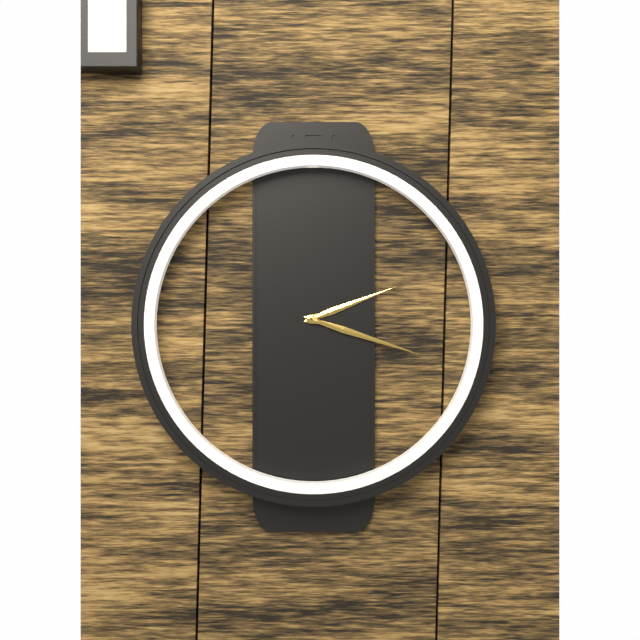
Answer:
2:18
